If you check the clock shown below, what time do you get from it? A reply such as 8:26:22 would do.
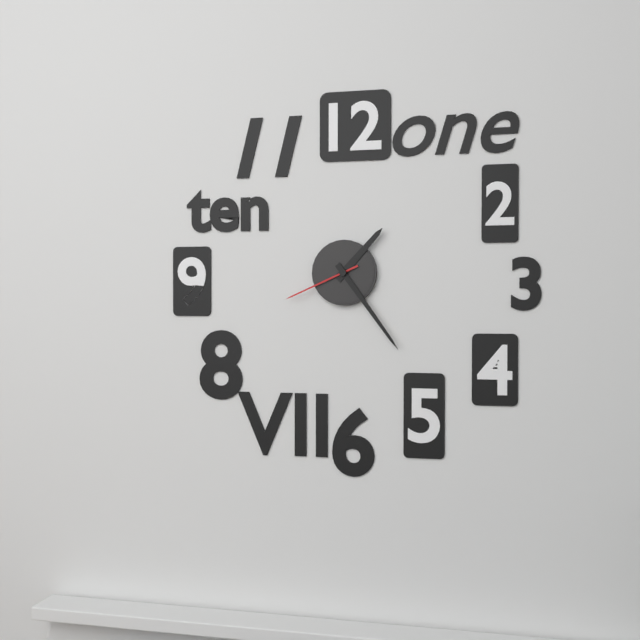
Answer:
1:24:41
